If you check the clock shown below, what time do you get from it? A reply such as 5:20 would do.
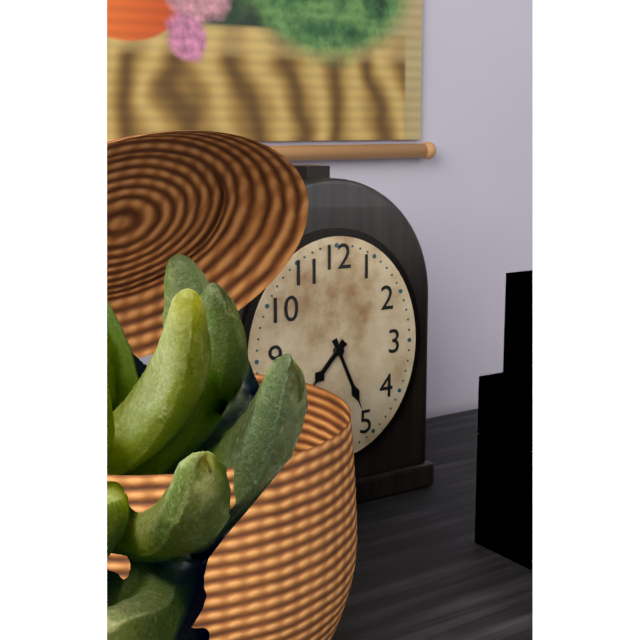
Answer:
7:26
